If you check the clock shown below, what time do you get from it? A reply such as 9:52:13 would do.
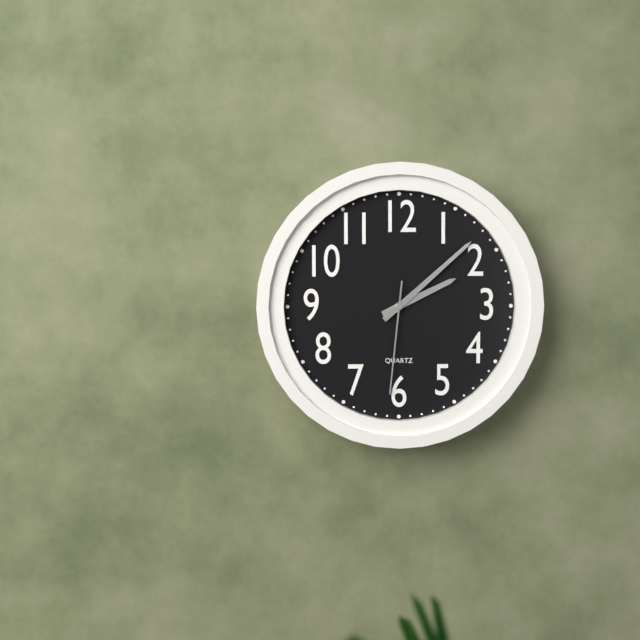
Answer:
2:08:31
